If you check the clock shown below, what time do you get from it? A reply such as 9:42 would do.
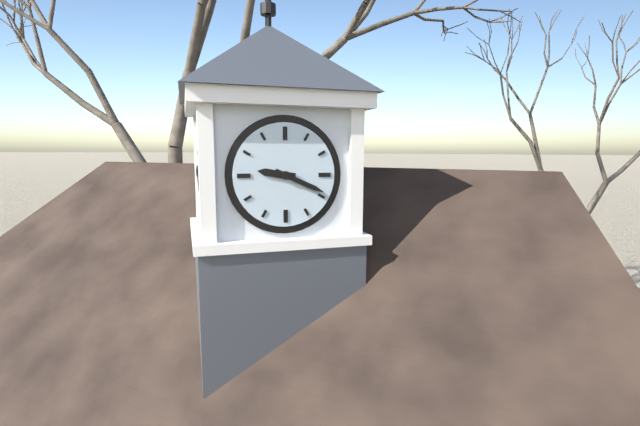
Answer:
9:19
